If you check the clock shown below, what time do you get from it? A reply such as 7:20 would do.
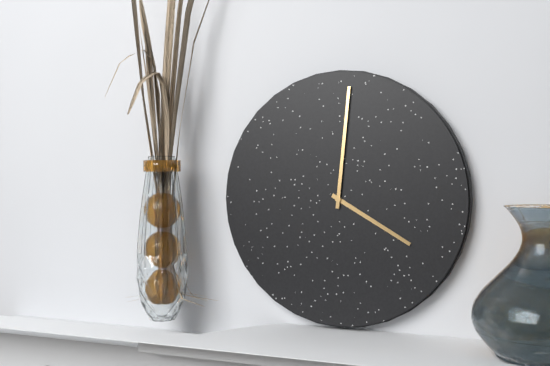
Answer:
4:01
